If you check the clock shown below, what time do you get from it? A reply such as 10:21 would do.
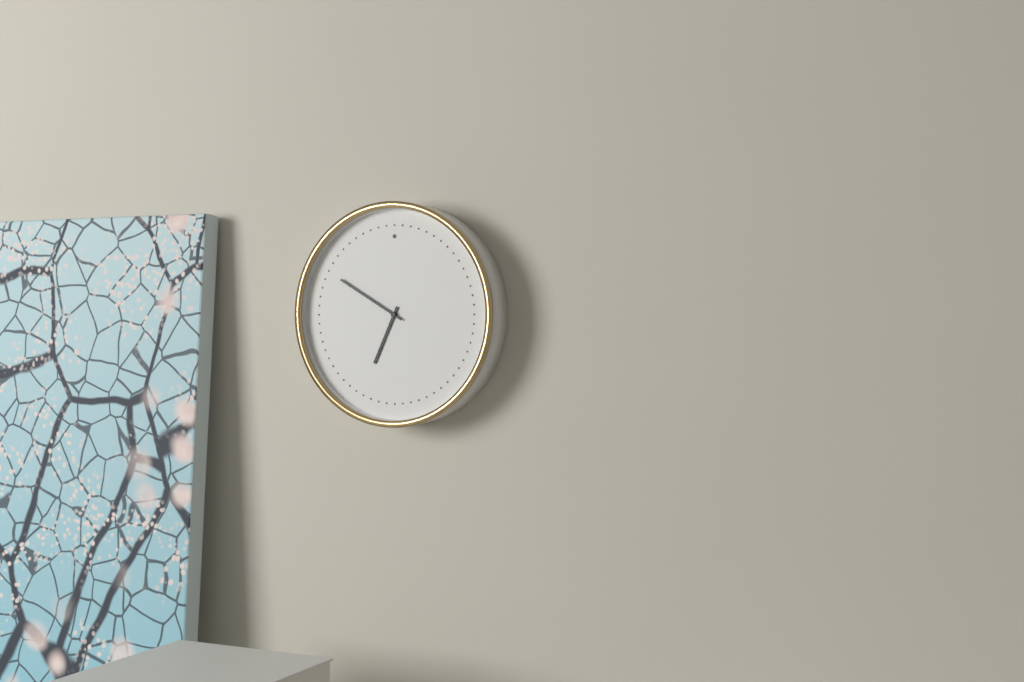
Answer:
6:50
